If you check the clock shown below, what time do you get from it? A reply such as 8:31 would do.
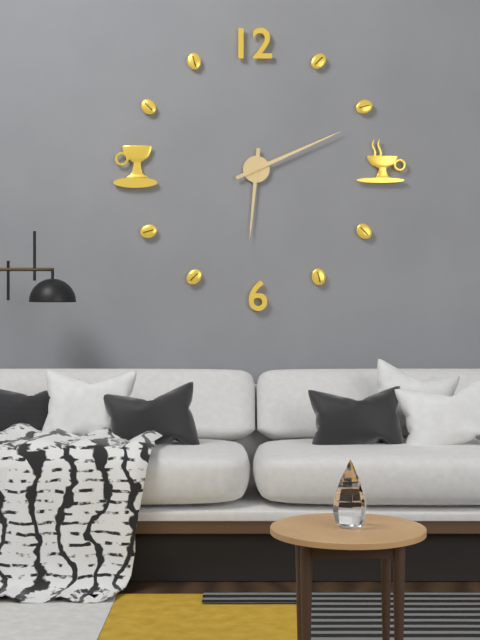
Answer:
6:11
